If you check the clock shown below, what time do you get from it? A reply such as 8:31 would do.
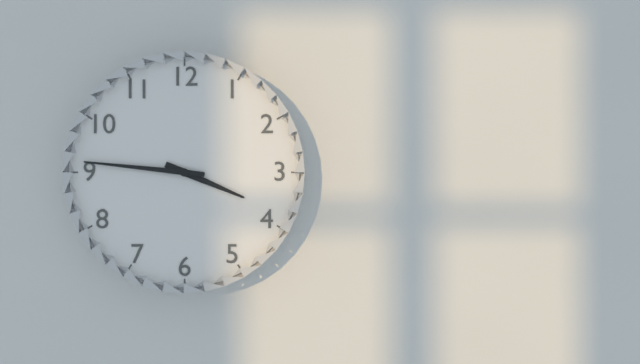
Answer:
3:46
